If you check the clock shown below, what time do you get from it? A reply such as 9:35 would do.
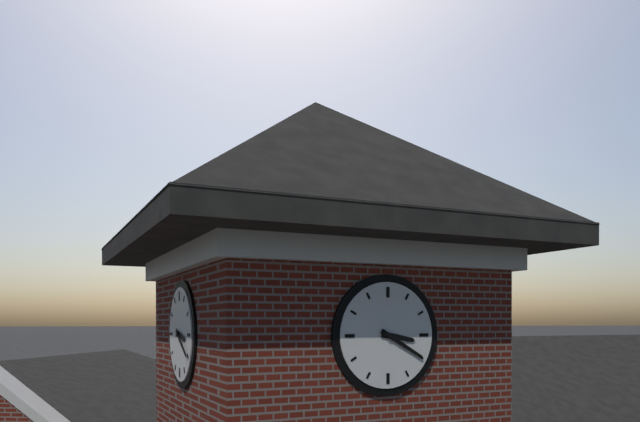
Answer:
3:20
